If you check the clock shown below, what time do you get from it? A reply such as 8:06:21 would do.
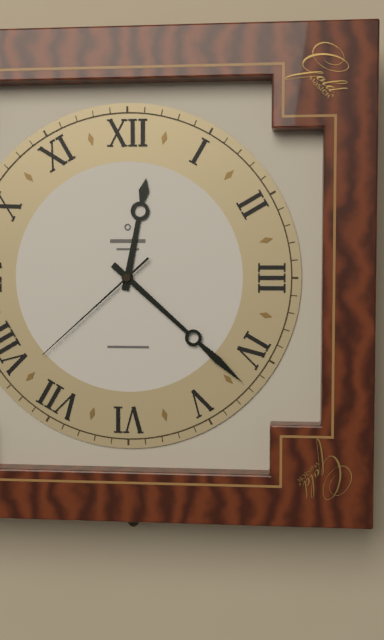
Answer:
12:22:38
